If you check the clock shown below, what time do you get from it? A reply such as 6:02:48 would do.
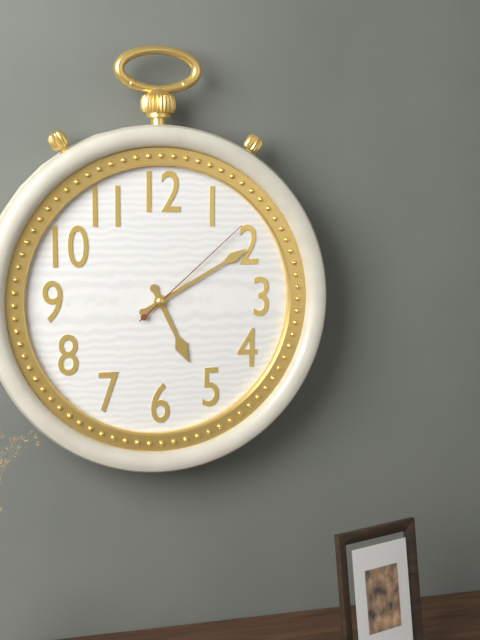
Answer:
5:10:08
